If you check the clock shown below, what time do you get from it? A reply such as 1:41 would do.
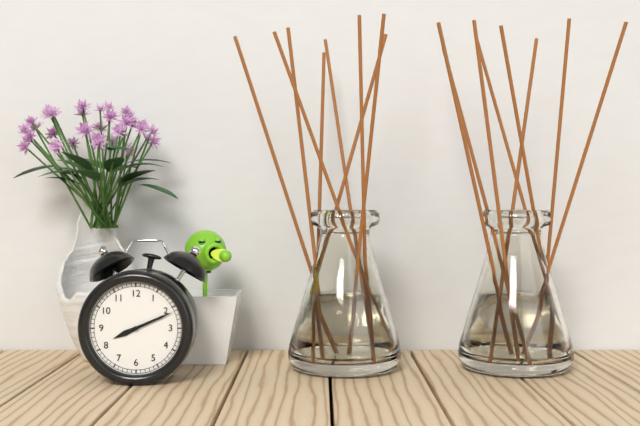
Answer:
8:11
